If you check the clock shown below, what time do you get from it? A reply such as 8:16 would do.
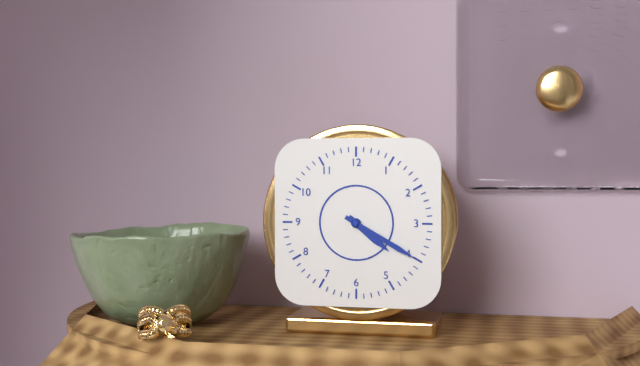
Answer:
4:20
